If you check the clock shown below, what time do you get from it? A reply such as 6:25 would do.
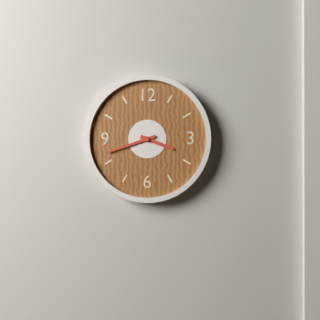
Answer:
3:42
